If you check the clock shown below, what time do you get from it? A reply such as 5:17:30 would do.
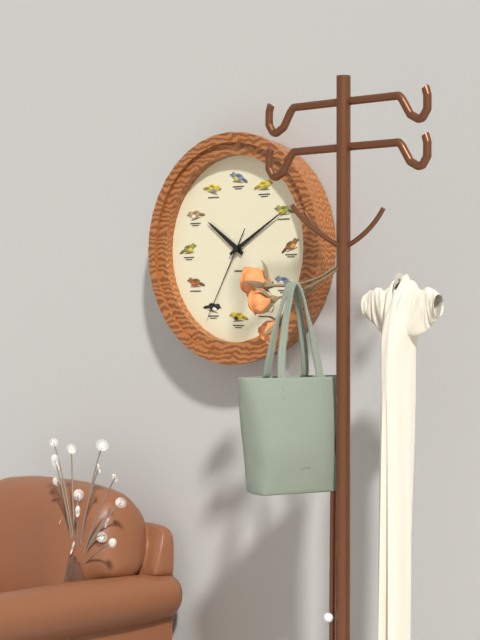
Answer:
10:10:35
